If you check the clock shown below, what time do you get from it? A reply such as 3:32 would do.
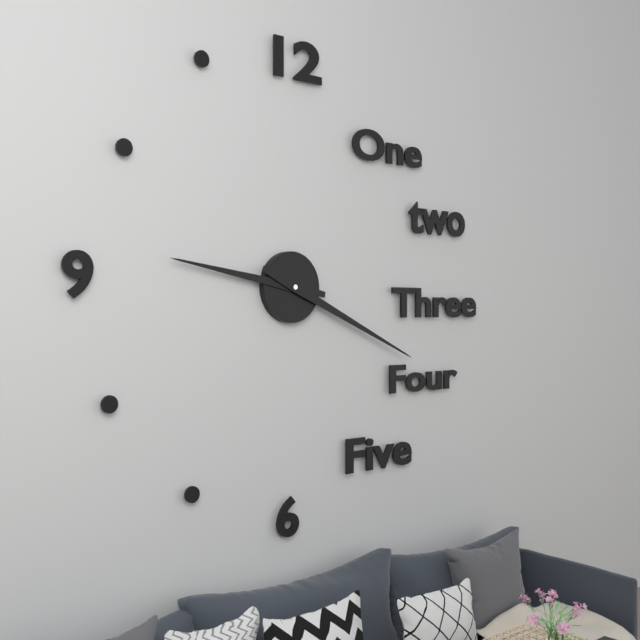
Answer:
9:19
